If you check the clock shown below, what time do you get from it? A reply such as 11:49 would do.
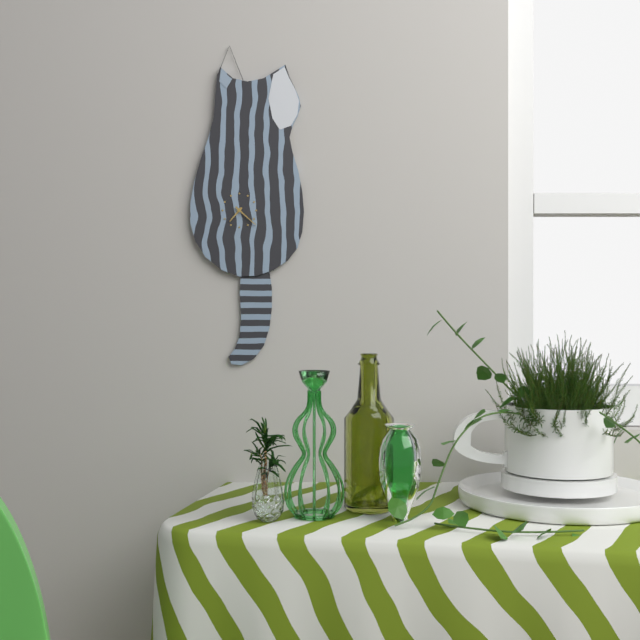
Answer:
7:22
